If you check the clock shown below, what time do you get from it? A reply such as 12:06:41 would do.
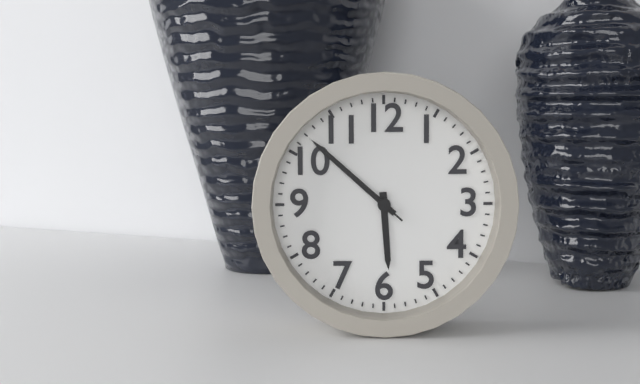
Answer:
5:52:52
